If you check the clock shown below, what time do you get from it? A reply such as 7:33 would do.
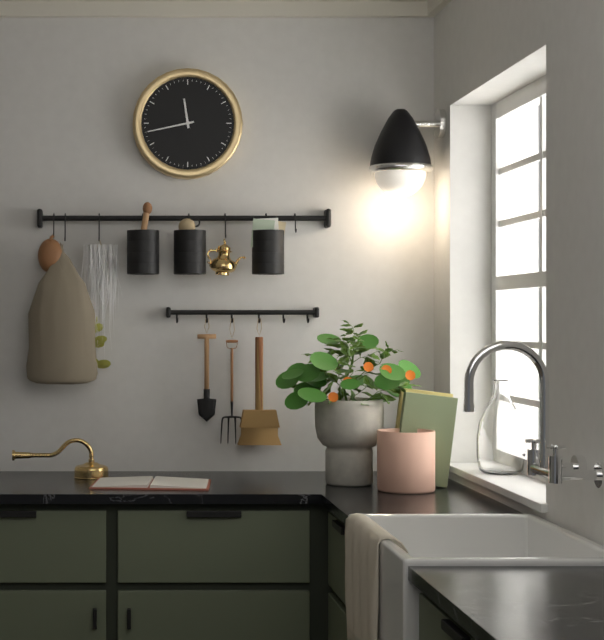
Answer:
11:43
